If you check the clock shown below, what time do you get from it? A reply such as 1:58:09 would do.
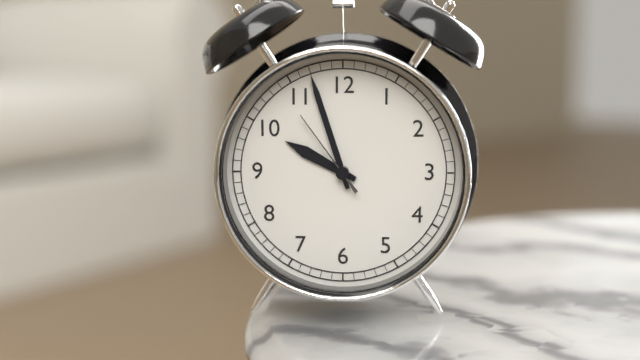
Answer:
9:57:54
